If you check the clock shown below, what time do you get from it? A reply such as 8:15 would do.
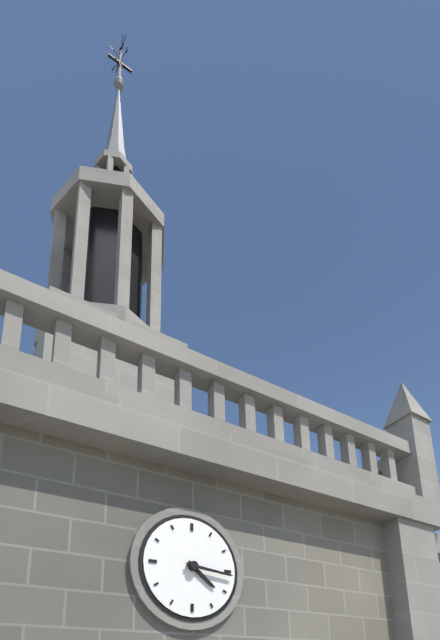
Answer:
4:16
